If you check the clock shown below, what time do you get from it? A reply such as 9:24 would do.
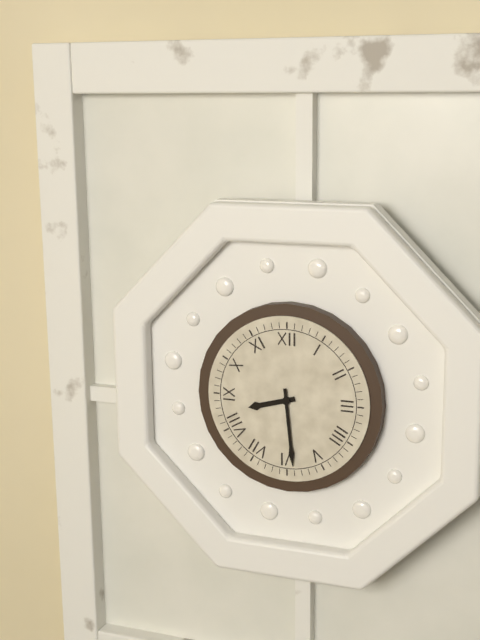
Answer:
8:29
